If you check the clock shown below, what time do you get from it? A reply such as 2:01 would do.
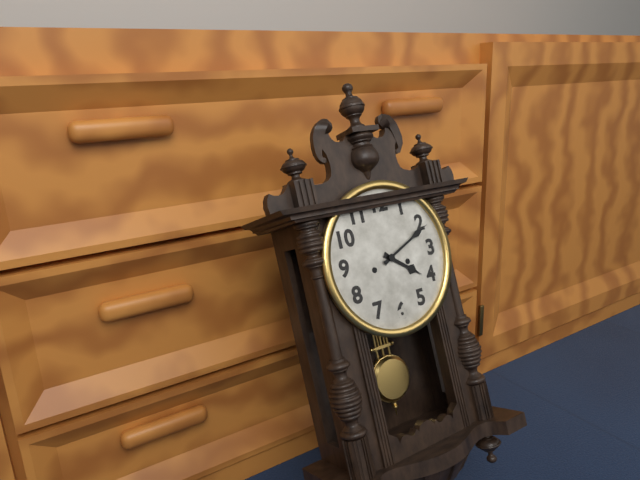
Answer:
4:11
